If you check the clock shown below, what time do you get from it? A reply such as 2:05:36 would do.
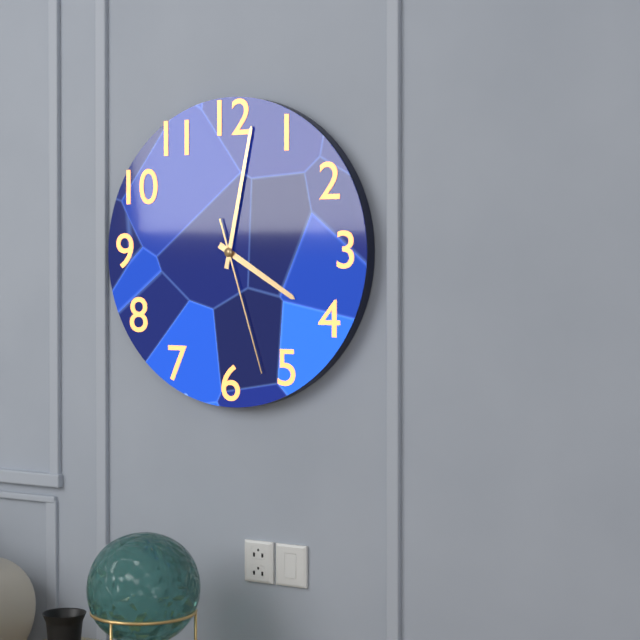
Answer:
4:02:27
